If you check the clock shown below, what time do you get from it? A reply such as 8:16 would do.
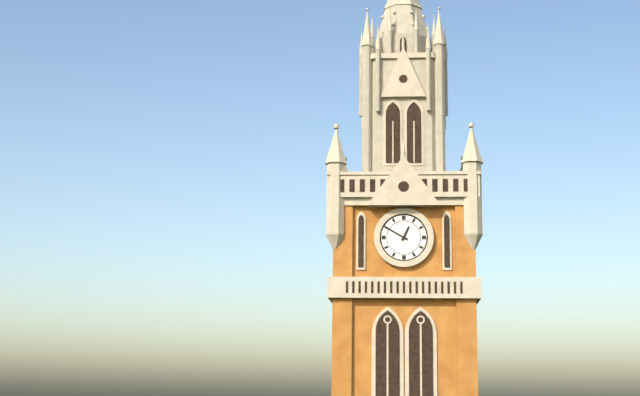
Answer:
12:50
